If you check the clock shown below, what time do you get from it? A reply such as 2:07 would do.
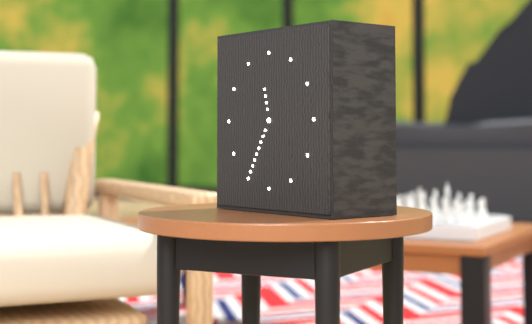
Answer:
11:35
